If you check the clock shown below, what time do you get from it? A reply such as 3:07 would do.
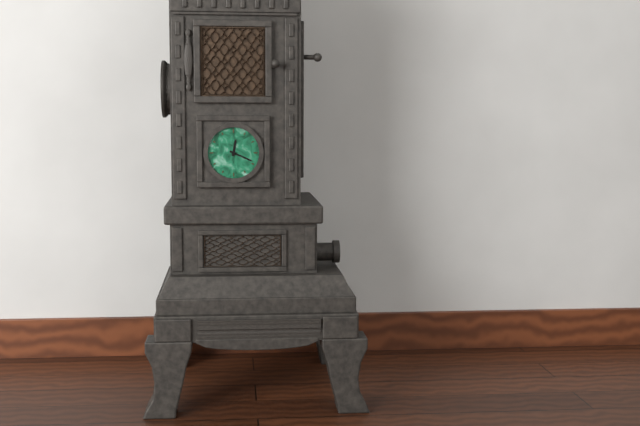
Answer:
12:19
